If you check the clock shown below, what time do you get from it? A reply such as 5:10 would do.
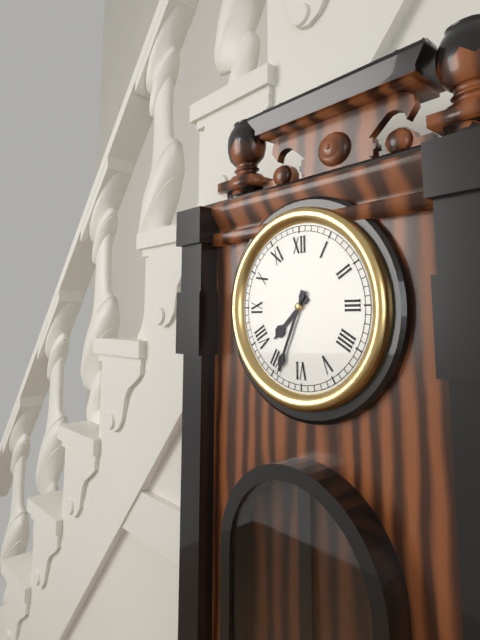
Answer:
7:34
